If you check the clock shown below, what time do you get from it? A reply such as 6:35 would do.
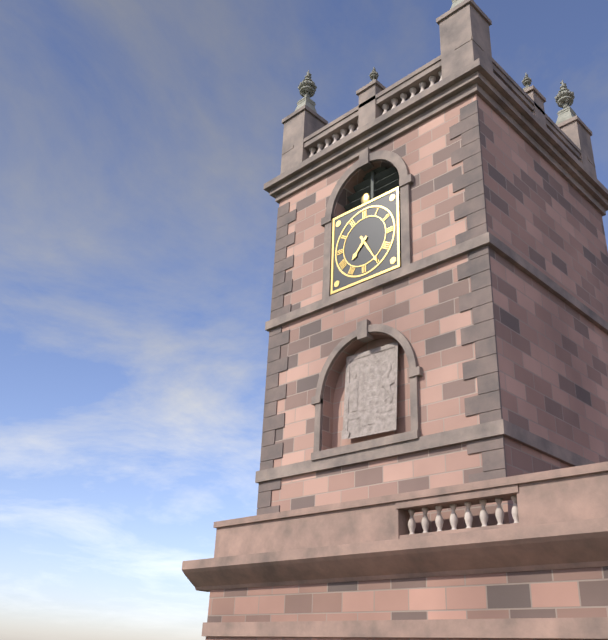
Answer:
7:25
